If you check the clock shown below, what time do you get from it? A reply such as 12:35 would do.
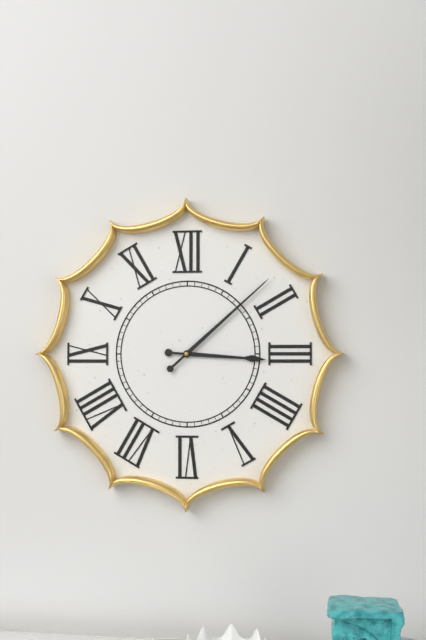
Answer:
3:08
